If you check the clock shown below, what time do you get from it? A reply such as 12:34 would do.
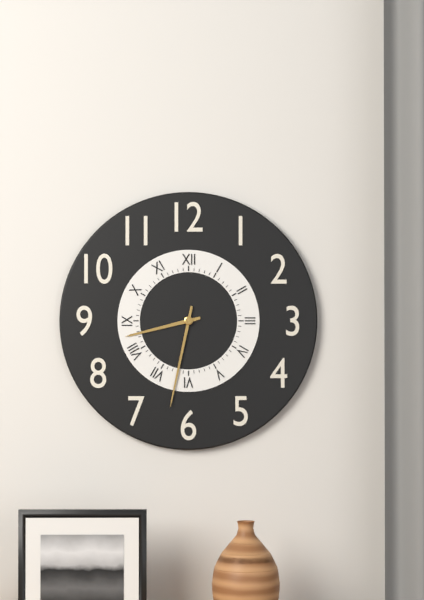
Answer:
8:32
